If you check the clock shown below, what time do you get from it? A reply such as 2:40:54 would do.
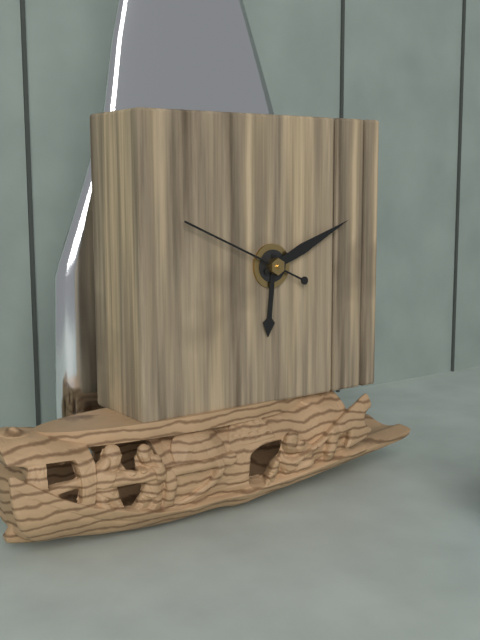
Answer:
6:11:49
